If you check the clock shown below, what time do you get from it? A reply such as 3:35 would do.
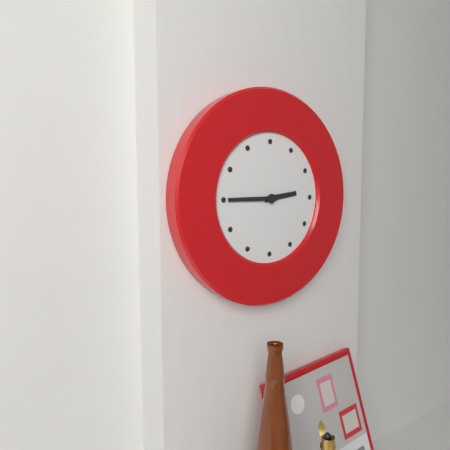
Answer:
2:45
